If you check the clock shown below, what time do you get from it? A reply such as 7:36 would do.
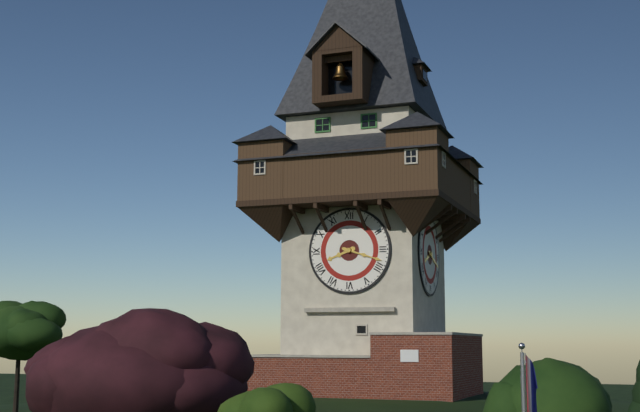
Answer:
8:18
